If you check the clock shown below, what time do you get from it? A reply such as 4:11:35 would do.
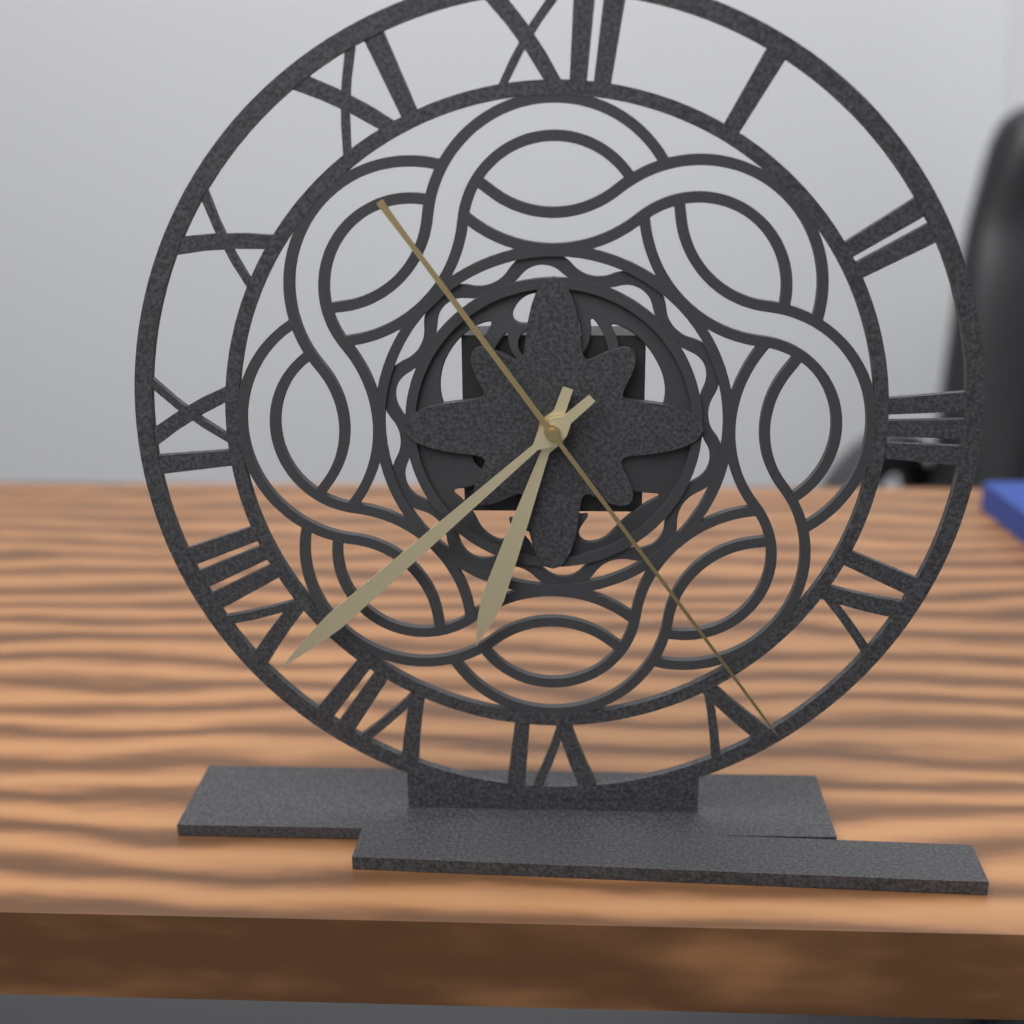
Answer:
6:38:24
